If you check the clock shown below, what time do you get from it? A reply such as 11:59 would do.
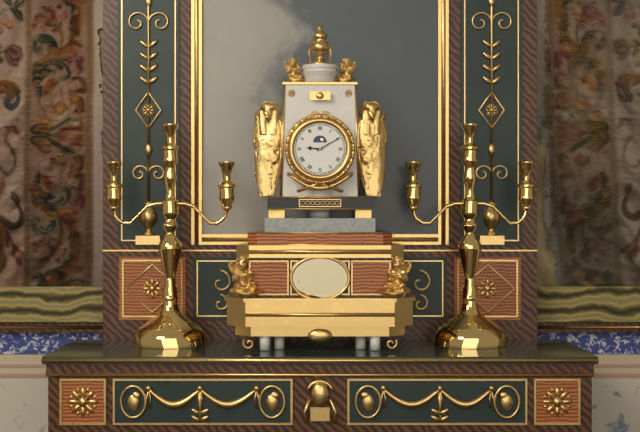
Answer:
9:10
